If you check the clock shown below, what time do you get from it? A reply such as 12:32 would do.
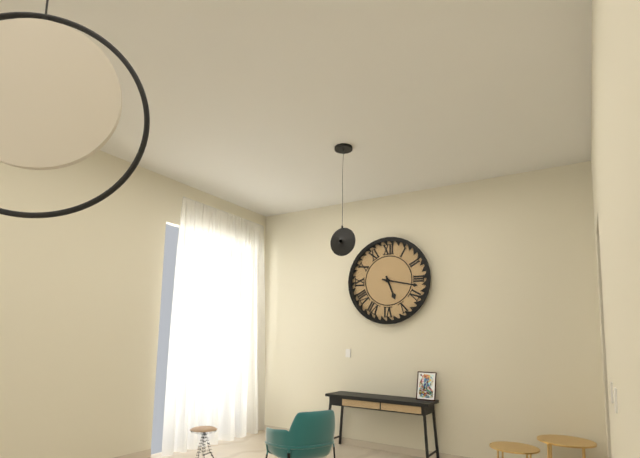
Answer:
5:17
